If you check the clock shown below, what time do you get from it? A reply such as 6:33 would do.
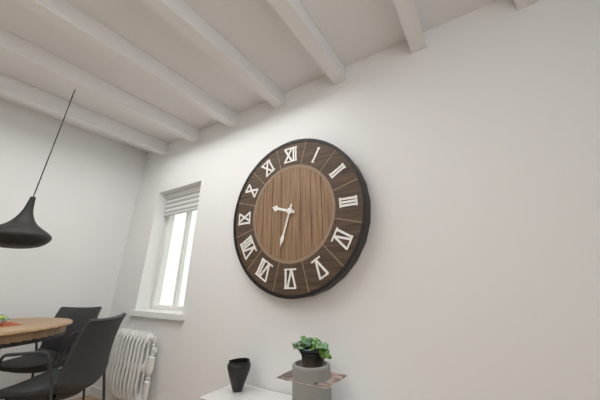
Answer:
9:33
